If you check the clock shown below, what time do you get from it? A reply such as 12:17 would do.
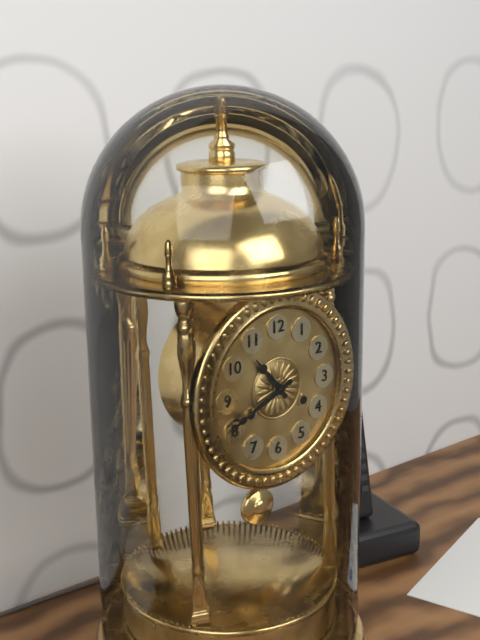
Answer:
10:41
